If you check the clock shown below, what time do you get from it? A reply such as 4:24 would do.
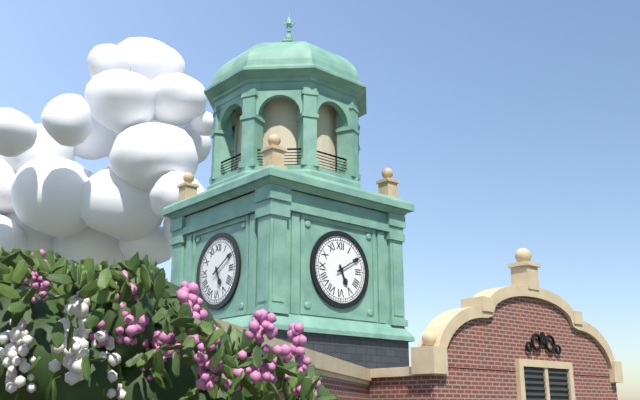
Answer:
5:10
